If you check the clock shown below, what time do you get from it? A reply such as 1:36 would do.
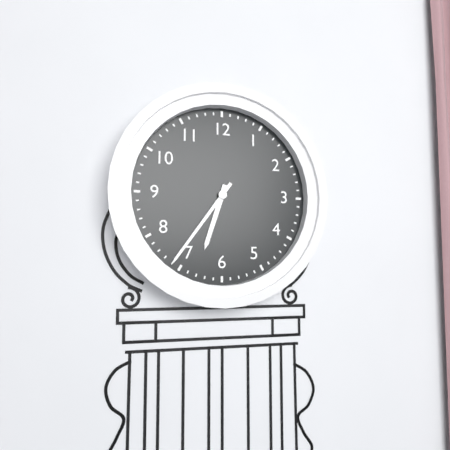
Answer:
6:36
